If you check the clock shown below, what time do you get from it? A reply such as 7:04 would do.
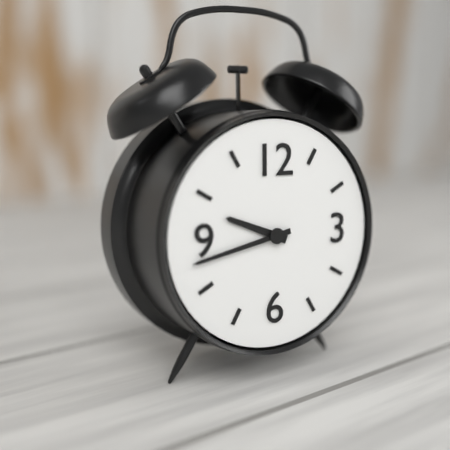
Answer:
9:43
